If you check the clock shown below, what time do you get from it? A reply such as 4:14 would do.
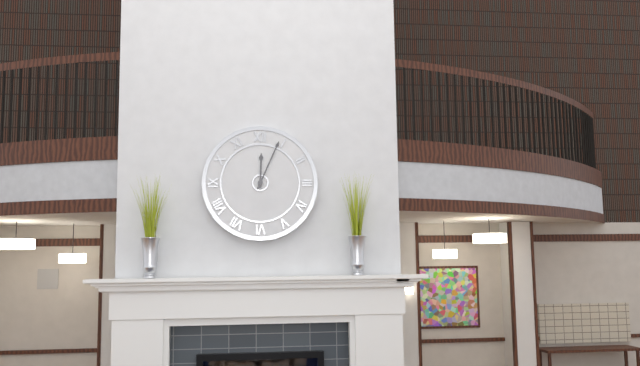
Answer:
12:04
